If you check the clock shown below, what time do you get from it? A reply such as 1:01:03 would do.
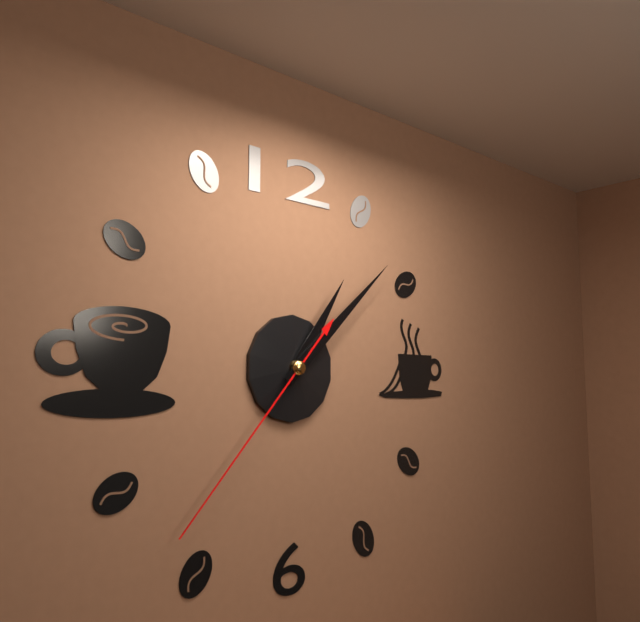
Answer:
1:08:37
